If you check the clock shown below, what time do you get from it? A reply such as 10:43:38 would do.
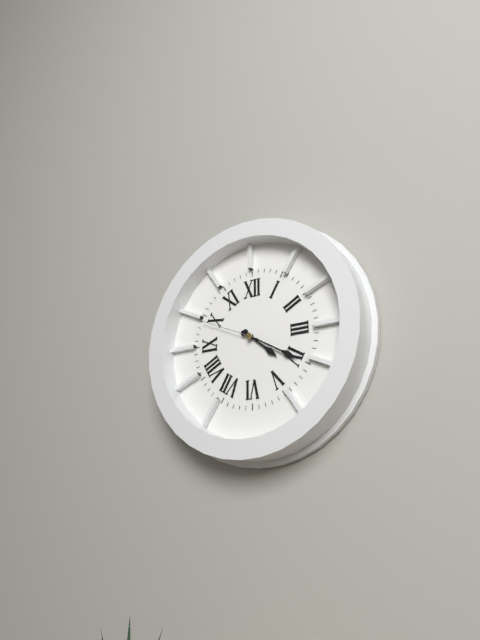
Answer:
4:20:49
